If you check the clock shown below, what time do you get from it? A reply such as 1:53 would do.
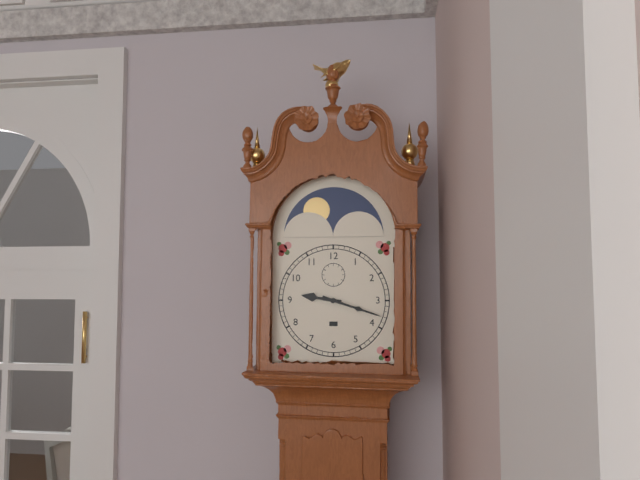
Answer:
9:18
